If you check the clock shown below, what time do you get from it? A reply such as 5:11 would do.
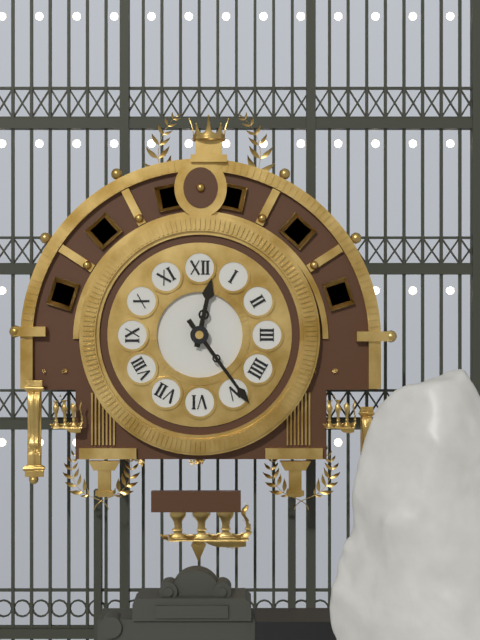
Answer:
12:24
